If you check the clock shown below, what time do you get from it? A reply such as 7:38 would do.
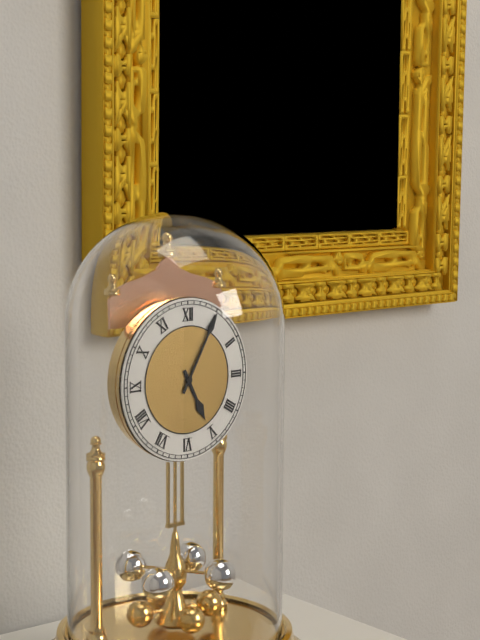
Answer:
5:05
